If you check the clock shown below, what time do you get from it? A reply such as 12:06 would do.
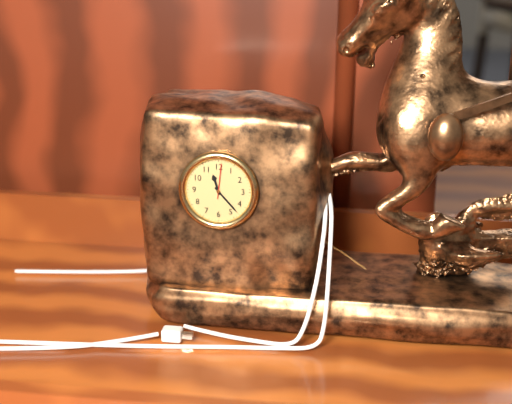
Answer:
11:23
